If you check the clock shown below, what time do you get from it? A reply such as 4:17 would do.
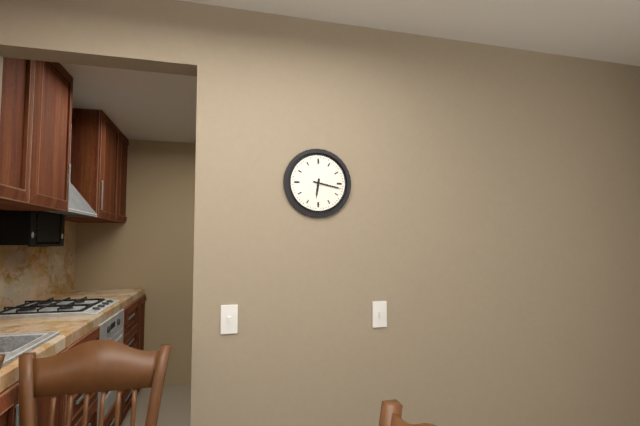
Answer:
6:17
